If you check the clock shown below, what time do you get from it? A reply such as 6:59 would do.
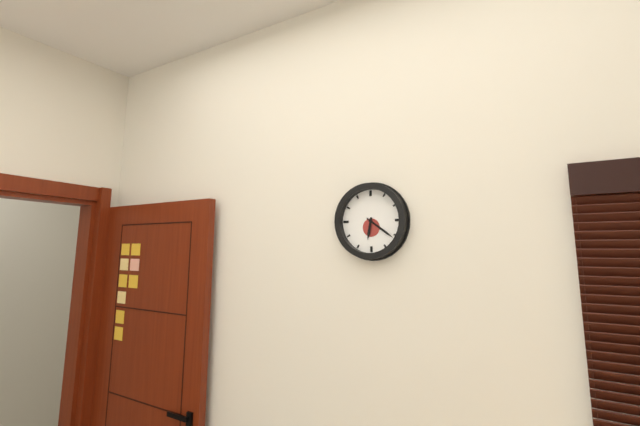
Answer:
6:21
